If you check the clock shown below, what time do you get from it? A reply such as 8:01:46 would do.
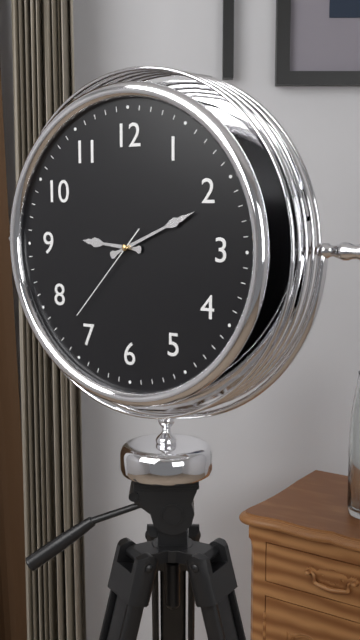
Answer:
9:11:37
